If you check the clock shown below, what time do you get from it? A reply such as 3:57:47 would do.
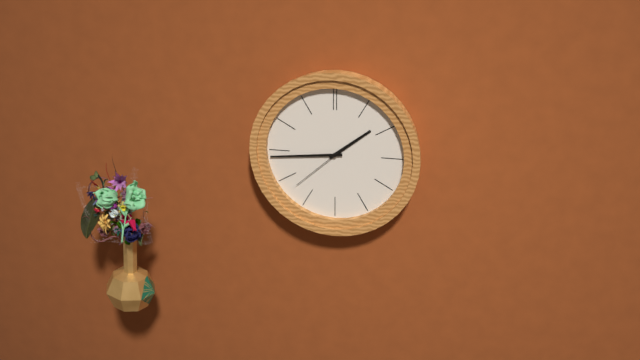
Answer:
1:44:38
